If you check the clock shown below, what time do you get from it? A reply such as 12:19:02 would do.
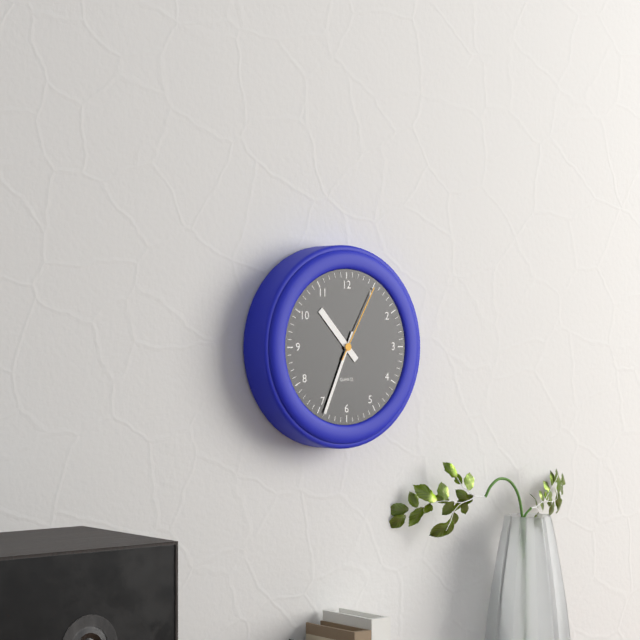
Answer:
10:34:05
